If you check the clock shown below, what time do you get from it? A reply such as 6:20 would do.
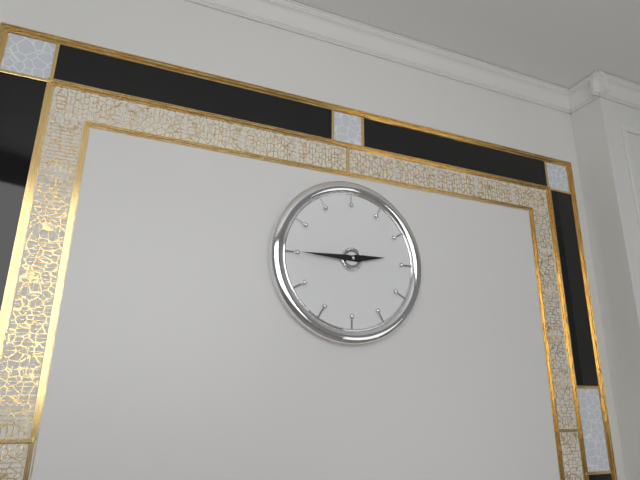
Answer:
2:45
